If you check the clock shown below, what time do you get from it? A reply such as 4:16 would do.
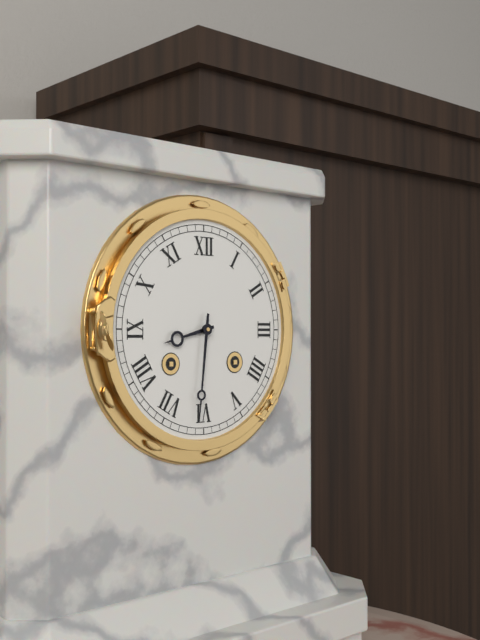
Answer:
8:31
